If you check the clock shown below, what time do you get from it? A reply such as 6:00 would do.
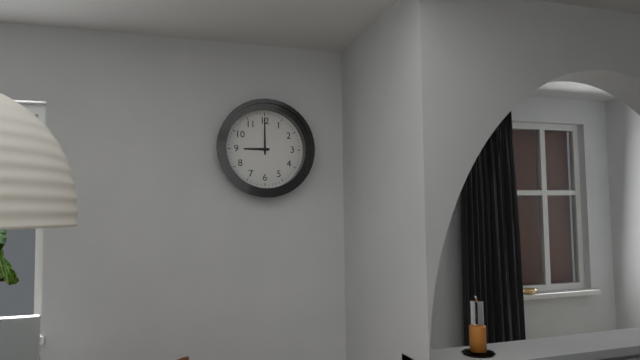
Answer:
9:00
